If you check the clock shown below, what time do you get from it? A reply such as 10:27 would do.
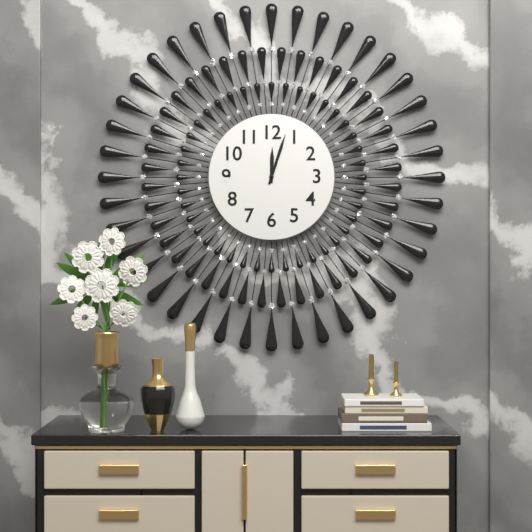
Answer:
12:03
